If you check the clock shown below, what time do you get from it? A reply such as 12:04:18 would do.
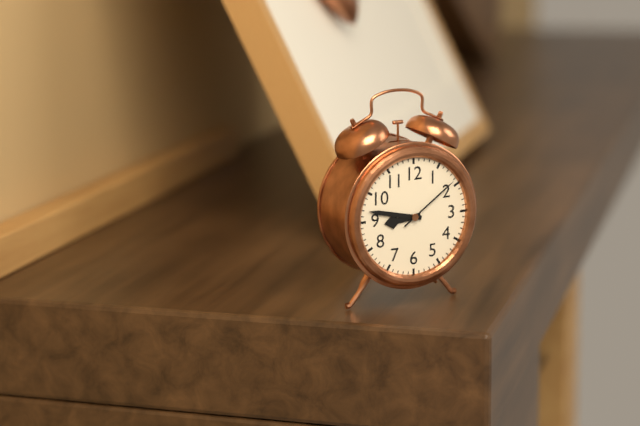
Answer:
8:47:09
